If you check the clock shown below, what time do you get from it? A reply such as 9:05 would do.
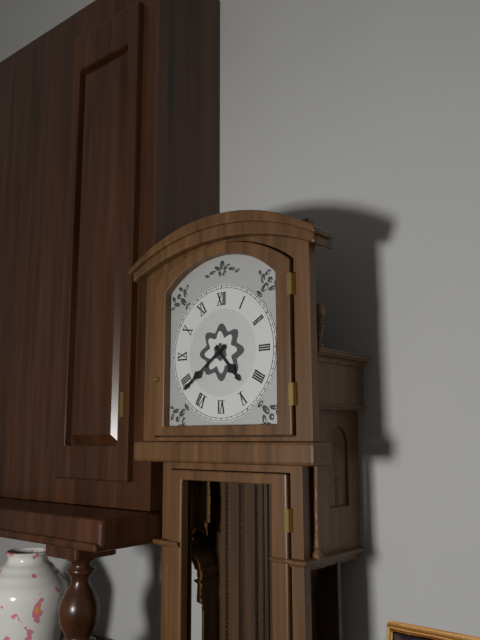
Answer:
4:39
